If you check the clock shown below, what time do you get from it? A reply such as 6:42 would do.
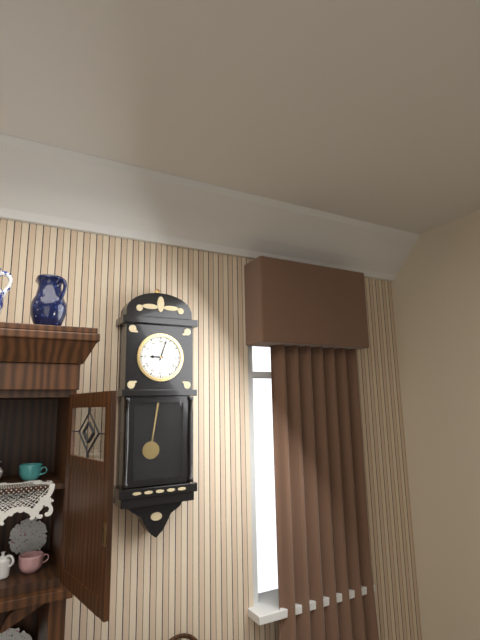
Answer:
9:03
